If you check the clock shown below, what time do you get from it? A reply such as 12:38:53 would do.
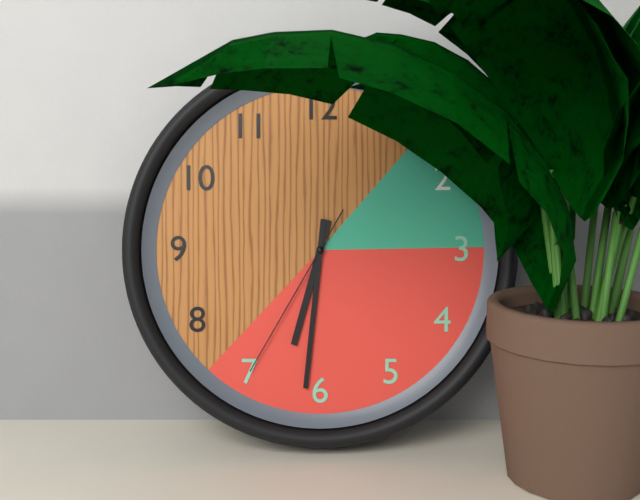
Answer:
6:31:35
